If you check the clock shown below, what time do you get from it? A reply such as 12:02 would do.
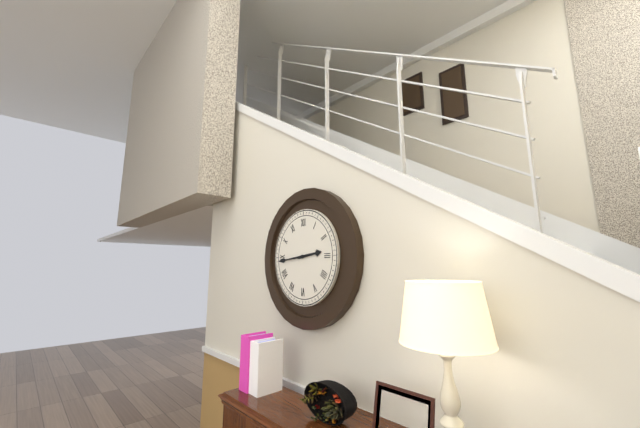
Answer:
2:44
